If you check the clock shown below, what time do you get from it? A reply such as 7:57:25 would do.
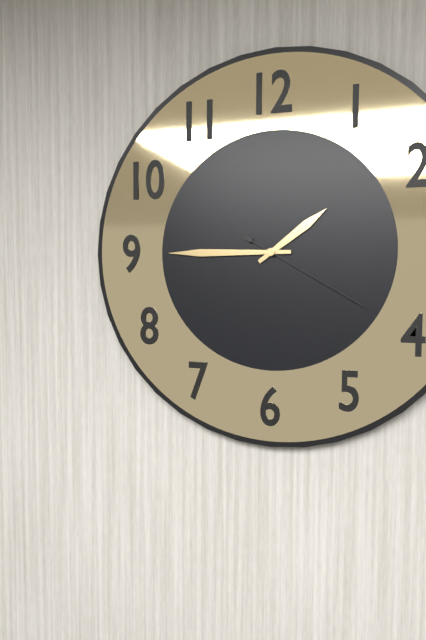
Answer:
1:45:20
